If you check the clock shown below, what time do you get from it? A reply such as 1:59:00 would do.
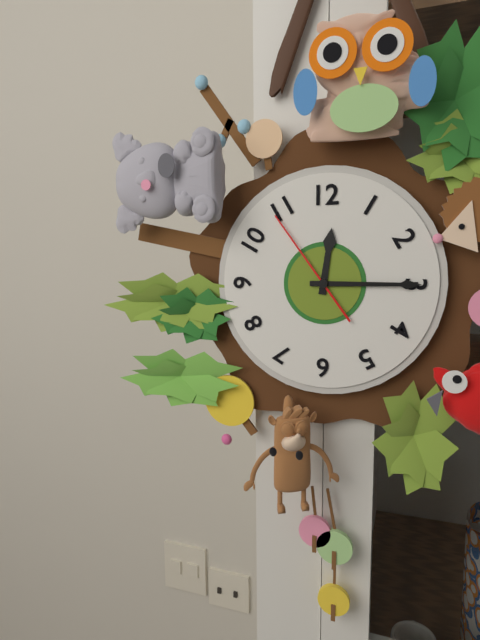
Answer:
12:15:54
